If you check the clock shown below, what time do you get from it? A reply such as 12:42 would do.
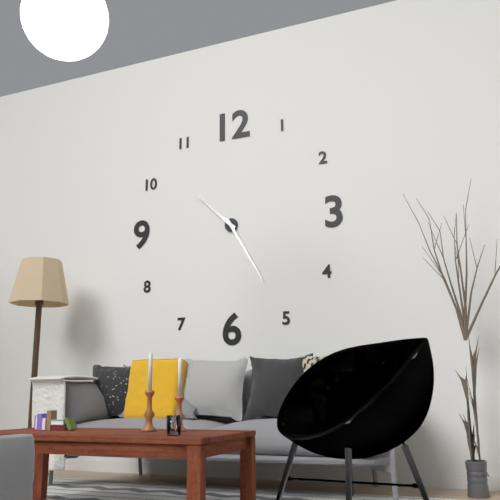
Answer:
10:25
